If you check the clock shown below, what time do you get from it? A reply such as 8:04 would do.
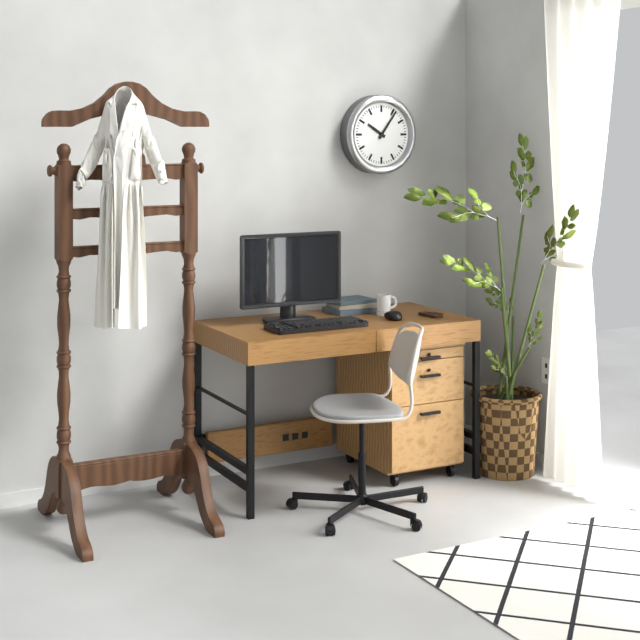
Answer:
10:06
